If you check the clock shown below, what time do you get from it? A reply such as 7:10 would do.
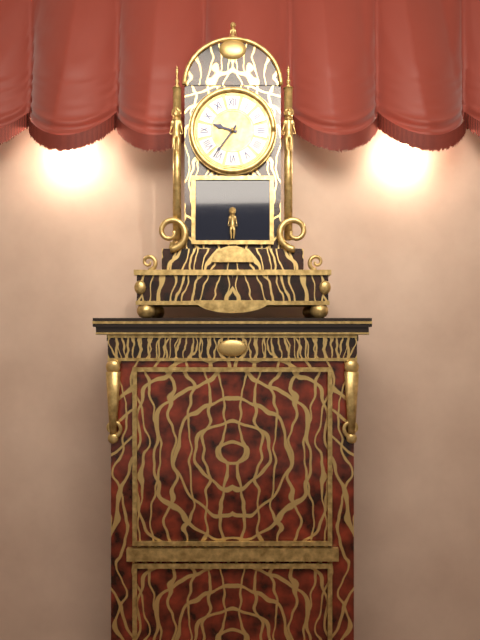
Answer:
9:36
